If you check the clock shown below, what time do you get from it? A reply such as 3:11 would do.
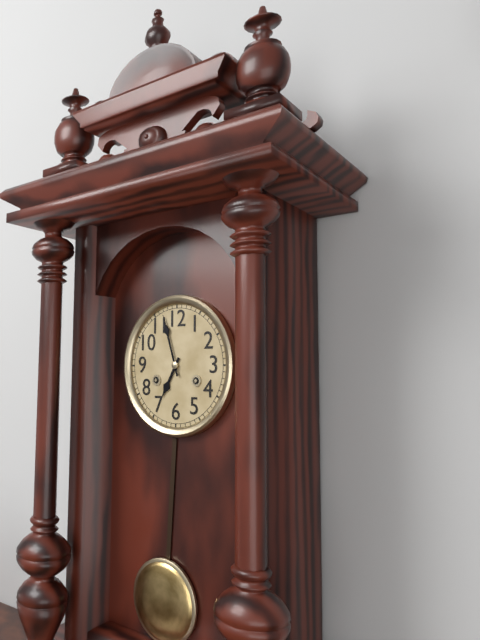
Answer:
6:57
